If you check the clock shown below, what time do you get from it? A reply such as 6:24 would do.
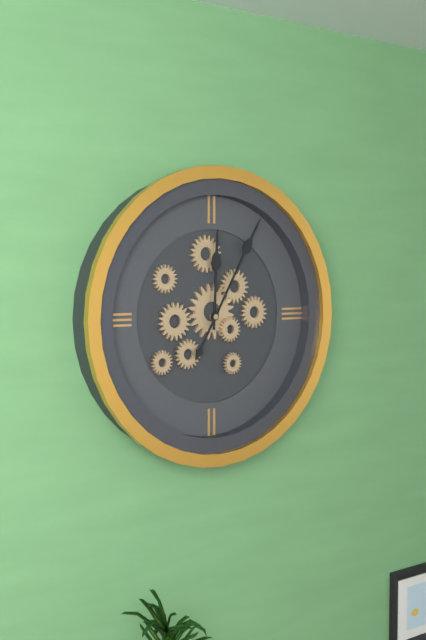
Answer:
12:05
